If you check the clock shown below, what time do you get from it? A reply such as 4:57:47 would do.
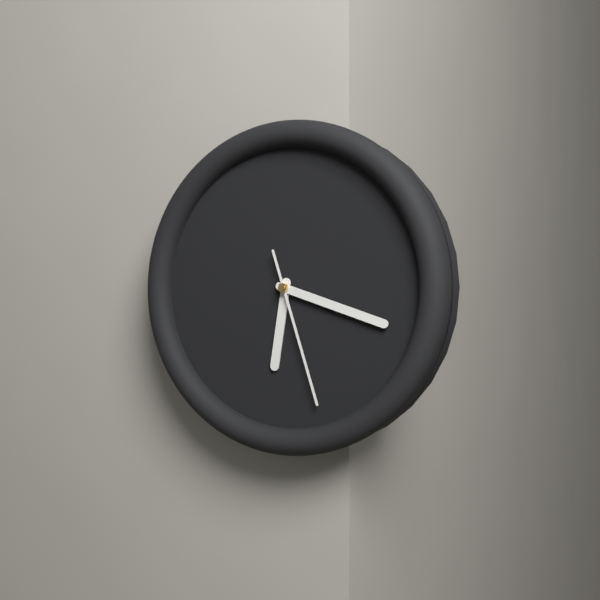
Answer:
6:18:27
